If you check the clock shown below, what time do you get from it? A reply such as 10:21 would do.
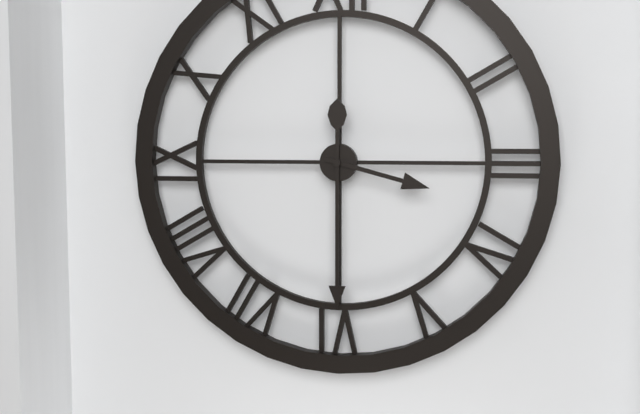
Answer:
3:30
